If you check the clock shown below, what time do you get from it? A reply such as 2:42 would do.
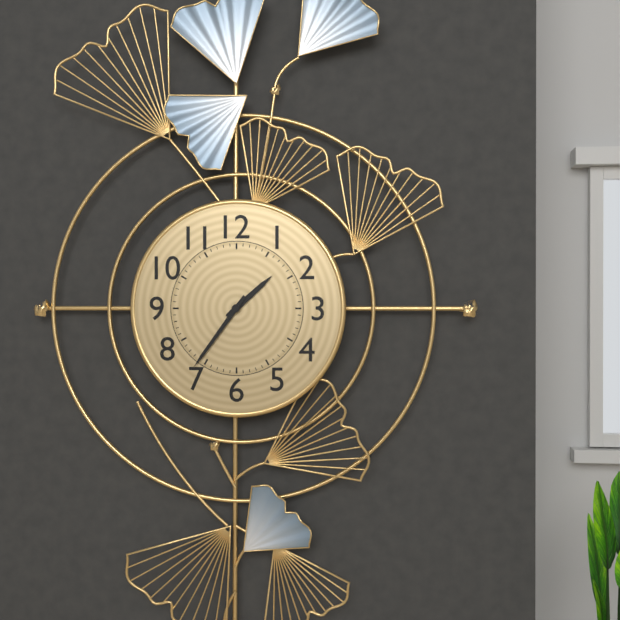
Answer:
1:36
